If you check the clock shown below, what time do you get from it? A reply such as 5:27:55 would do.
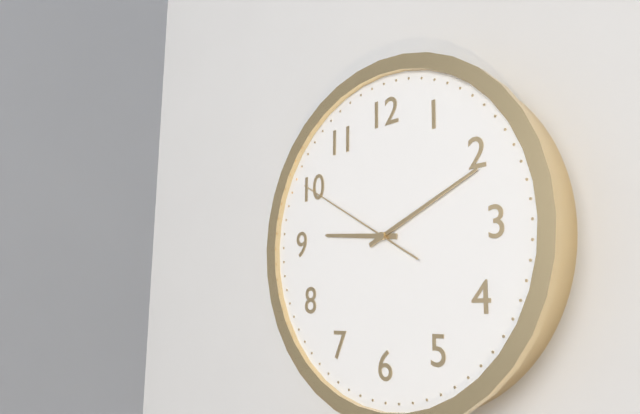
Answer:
9:11:50
